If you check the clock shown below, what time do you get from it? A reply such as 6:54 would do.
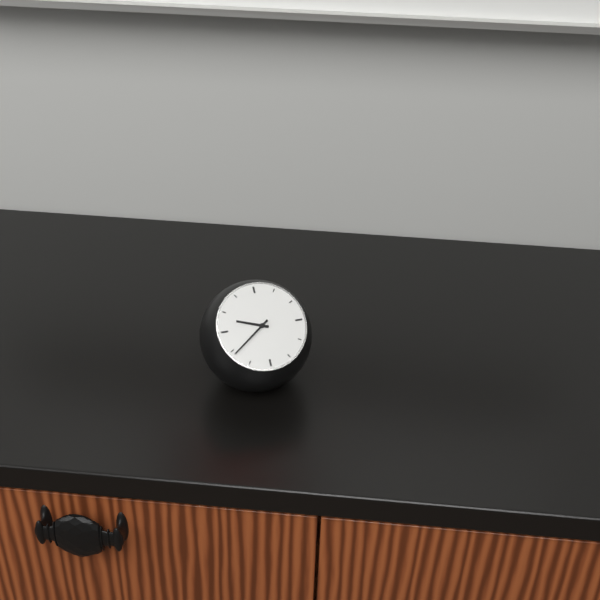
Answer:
9:39
